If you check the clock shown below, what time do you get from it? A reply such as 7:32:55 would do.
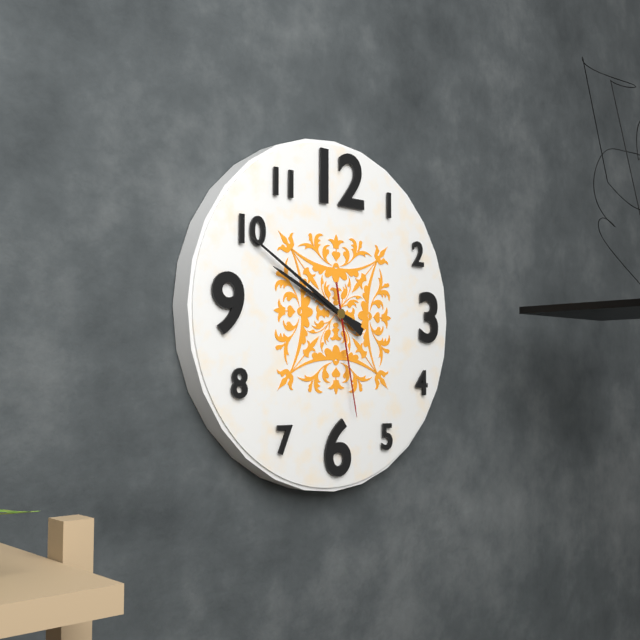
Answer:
9:50:28
